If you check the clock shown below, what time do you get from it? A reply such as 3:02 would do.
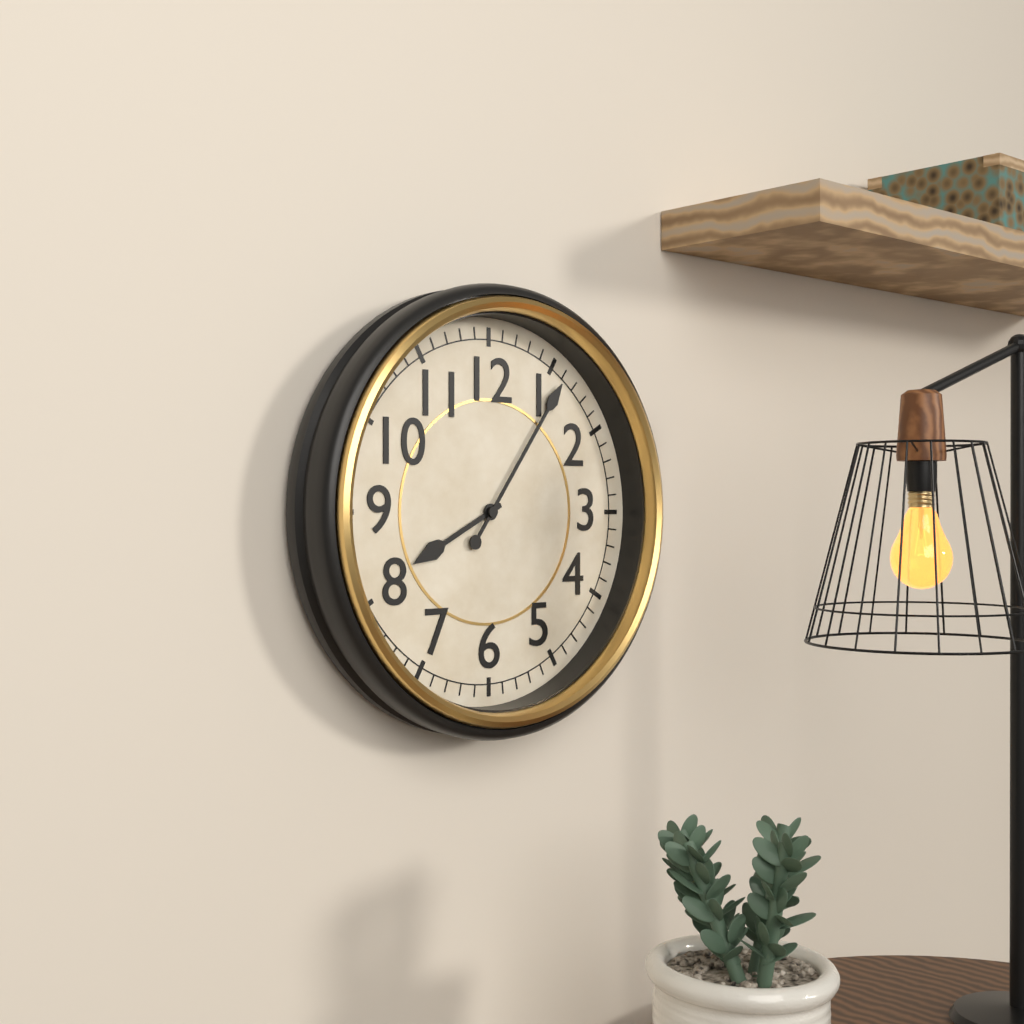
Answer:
8:06
